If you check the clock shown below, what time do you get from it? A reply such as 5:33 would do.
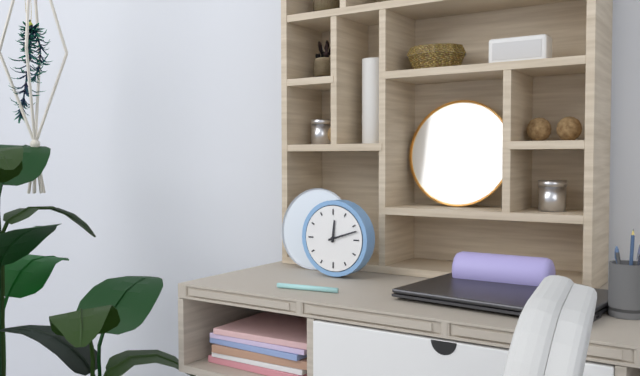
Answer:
12:12
